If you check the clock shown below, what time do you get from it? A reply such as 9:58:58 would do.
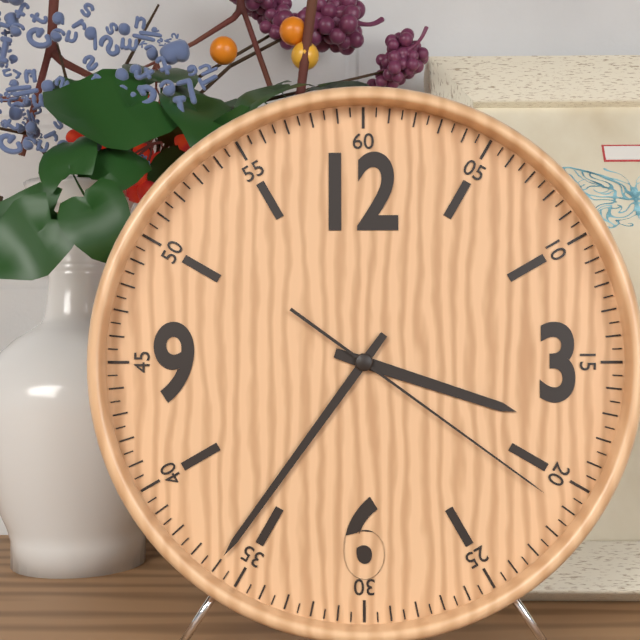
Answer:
3:36:21
